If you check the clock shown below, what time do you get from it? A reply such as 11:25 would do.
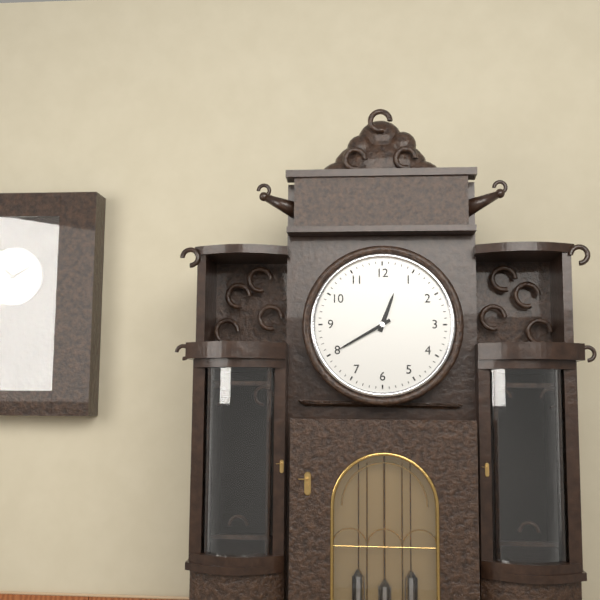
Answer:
12:40
